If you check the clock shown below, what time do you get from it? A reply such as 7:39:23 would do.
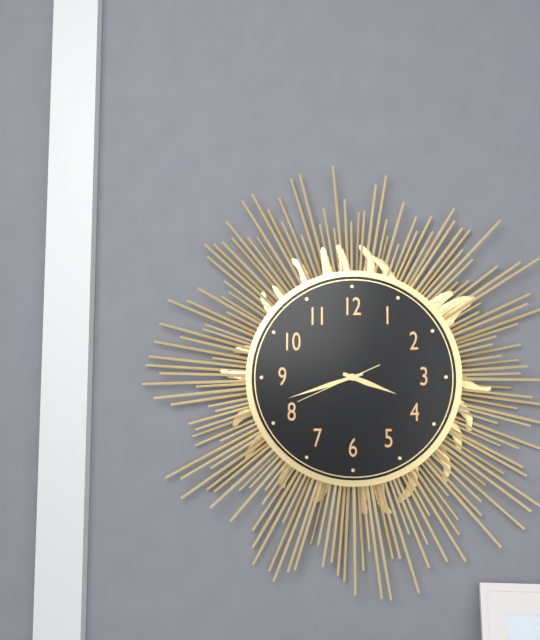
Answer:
3:42:41
